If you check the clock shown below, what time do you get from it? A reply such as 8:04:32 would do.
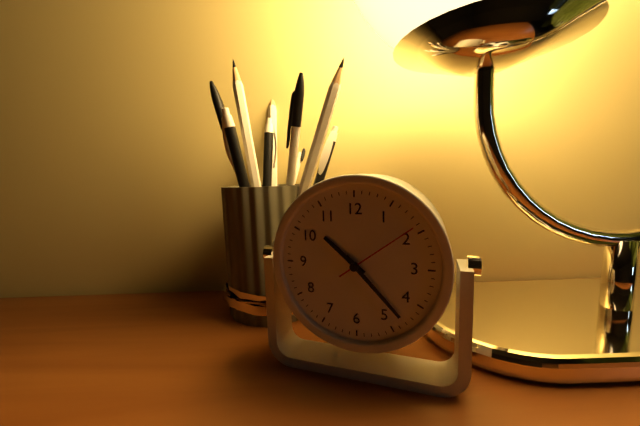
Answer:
10:23:09
